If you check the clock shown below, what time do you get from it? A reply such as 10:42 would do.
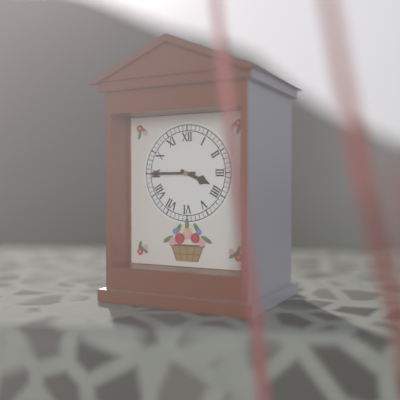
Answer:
3:45
